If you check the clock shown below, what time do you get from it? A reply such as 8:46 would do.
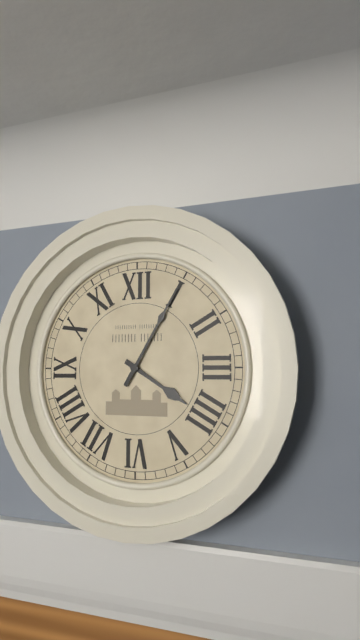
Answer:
4:05
